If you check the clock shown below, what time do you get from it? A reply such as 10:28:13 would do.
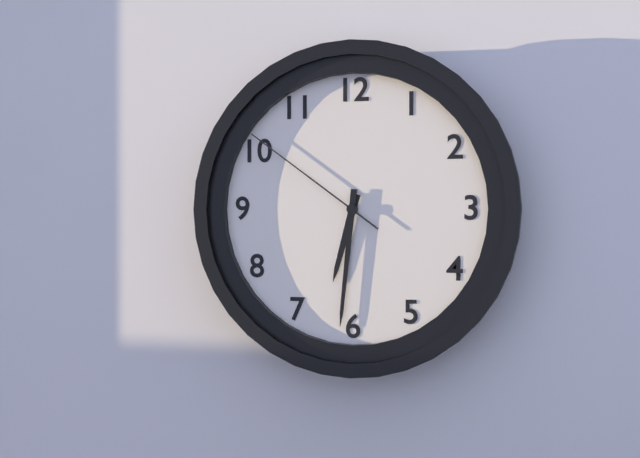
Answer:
6:31:51
